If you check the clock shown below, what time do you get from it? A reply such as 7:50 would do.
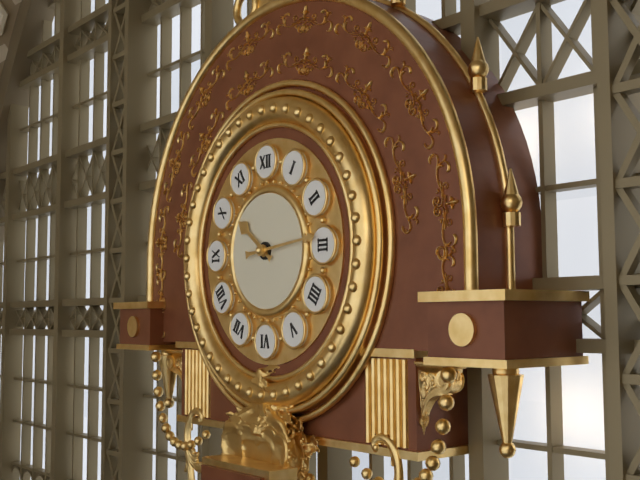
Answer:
10:14
